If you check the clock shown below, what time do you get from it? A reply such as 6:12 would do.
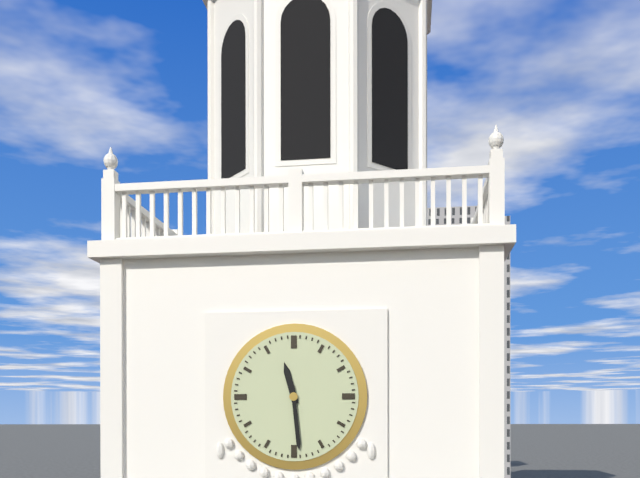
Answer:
11:29
